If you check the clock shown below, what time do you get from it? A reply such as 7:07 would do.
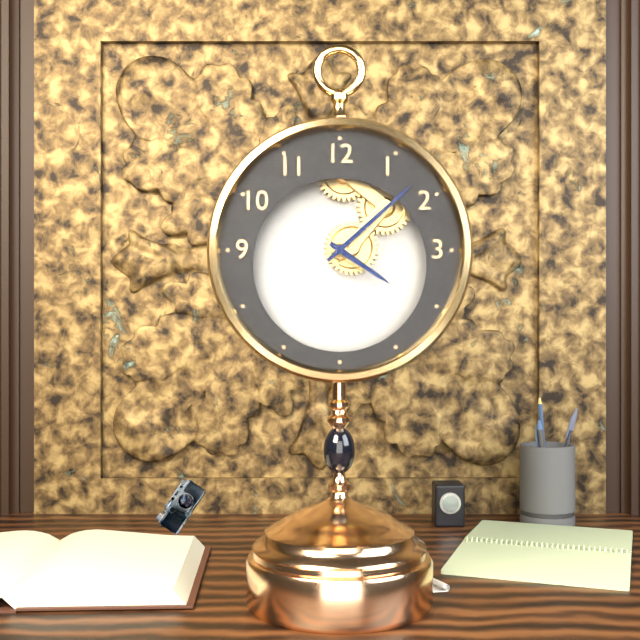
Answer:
4:08
